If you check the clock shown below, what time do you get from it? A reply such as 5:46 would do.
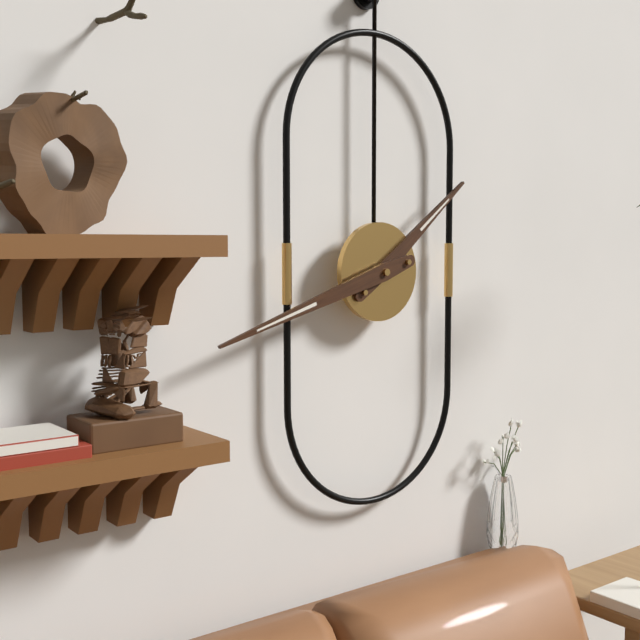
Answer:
1:42
